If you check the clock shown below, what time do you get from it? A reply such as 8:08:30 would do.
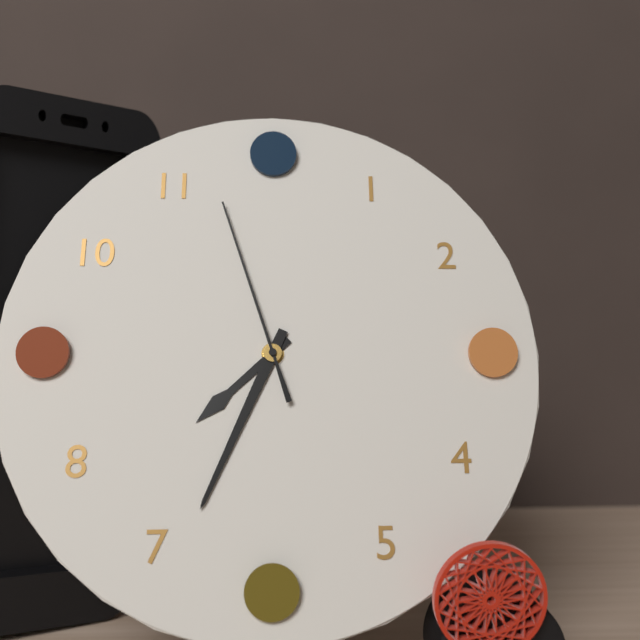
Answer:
7:34:57
